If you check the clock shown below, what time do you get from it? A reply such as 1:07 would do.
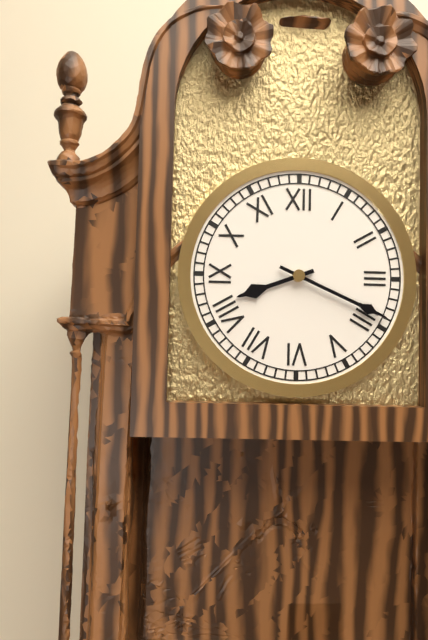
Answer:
8:19
